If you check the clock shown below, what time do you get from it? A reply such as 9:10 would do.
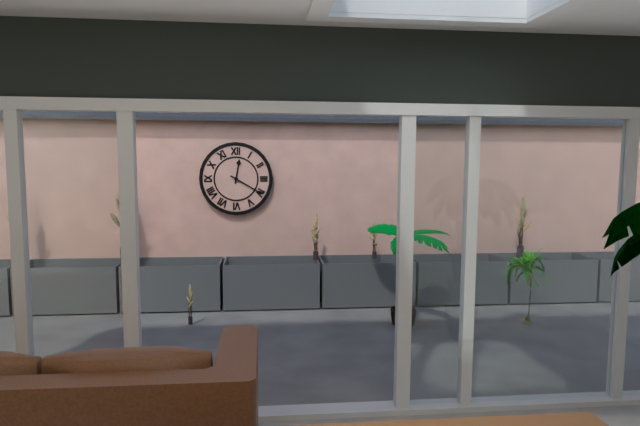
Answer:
12:20
